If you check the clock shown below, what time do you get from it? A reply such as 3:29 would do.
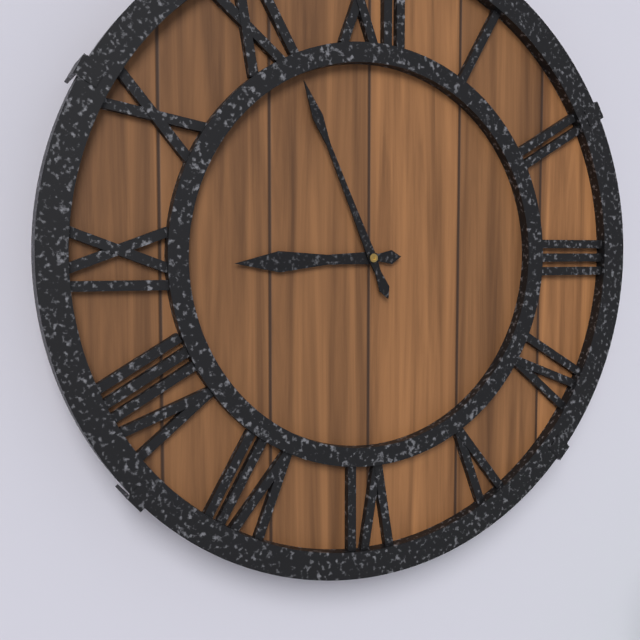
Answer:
8:56
